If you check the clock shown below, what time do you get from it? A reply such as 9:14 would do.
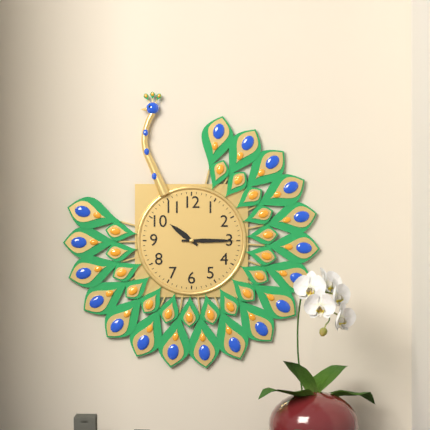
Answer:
10:15
